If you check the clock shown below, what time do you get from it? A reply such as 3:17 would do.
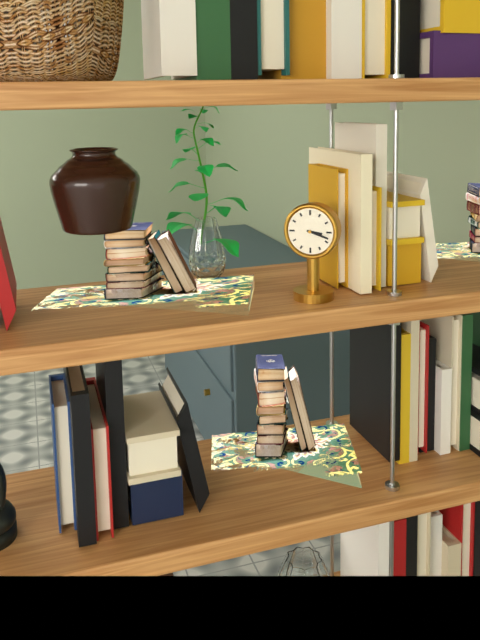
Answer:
3:18
